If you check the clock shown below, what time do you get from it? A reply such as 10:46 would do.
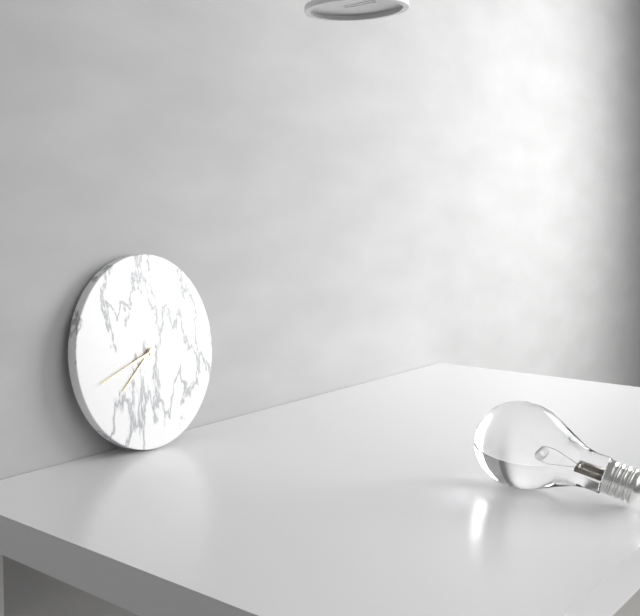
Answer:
7:42
